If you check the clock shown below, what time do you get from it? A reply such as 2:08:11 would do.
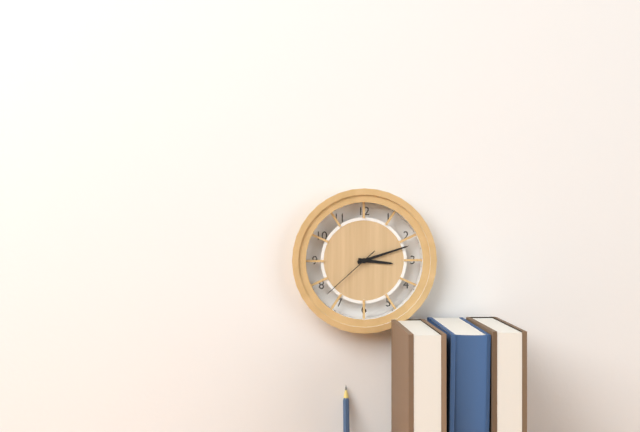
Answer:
3:12:38
